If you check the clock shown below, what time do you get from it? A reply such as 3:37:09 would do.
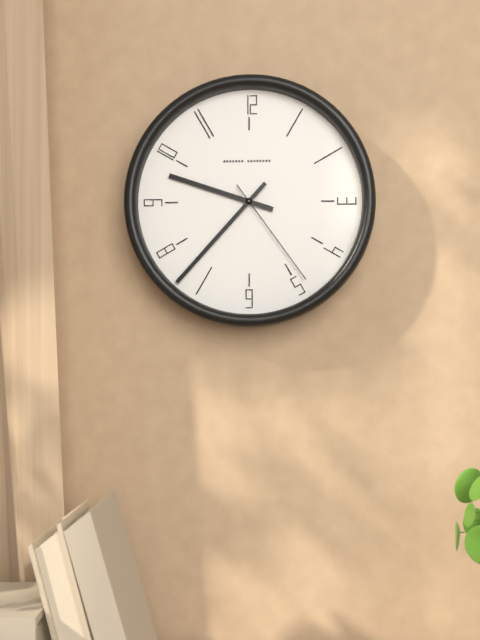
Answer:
9:37:24
